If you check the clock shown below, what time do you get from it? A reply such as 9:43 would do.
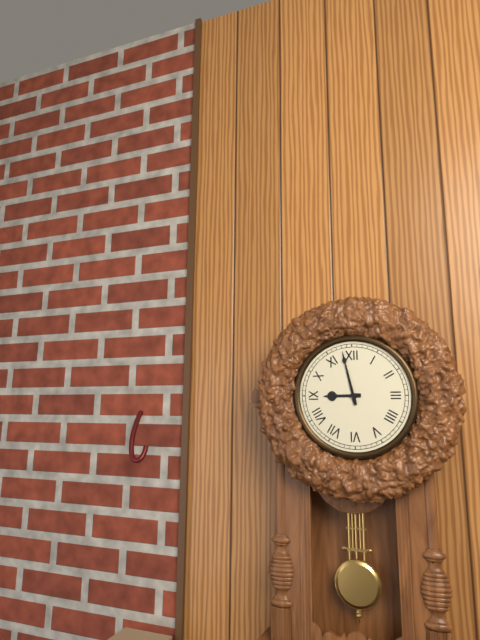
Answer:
8:58
